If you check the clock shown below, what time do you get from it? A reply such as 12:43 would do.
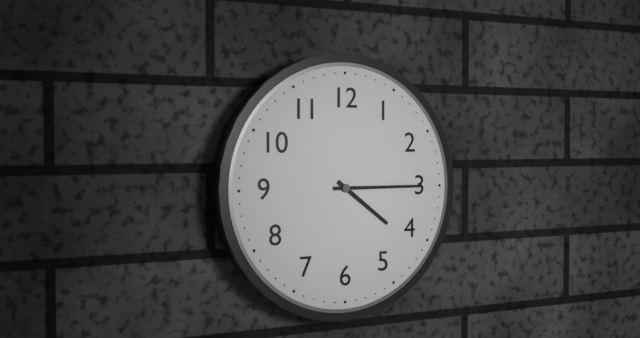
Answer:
4:15
